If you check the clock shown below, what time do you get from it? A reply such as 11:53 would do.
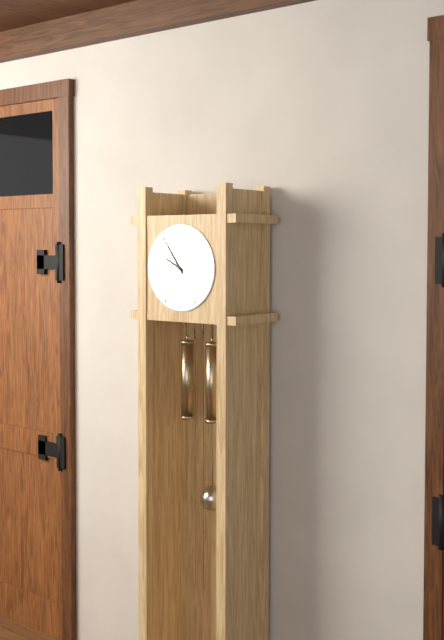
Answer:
9:54
